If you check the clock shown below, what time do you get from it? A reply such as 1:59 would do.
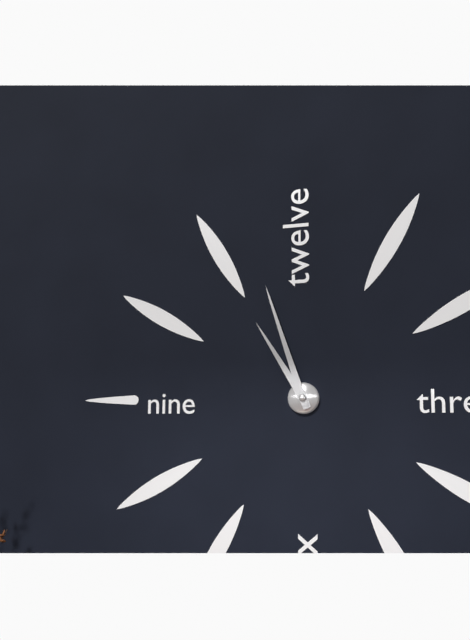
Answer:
10:57
